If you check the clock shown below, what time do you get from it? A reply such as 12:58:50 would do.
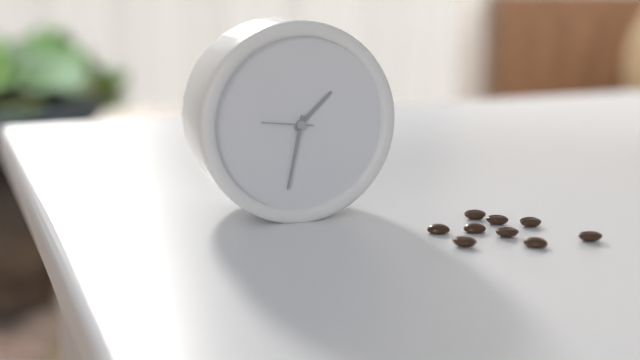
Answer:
1:32:46
